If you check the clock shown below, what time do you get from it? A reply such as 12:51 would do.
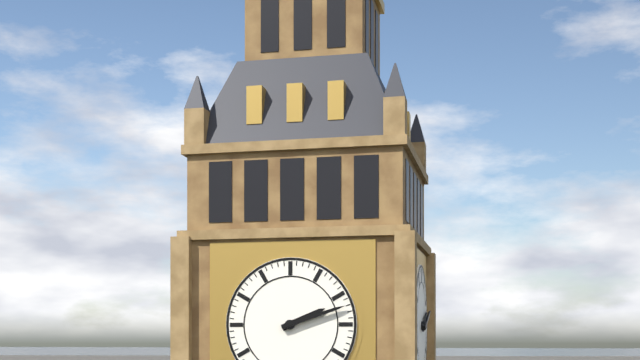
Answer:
2:12
